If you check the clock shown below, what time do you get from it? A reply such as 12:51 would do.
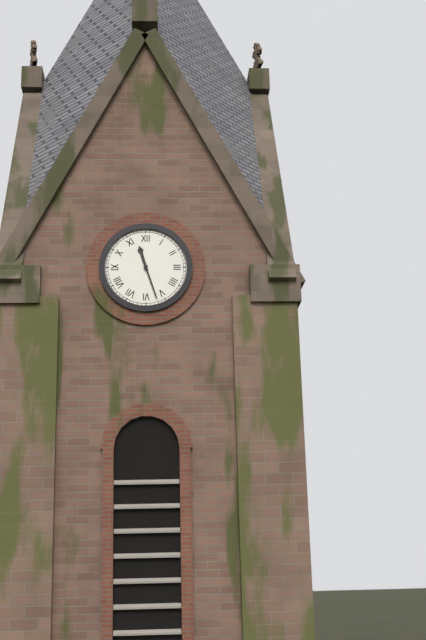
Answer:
11:27
